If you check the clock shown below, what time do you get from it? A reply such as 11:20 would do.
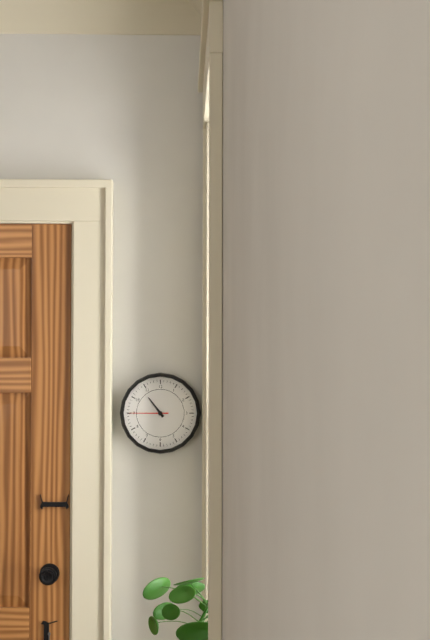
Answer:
10:45
